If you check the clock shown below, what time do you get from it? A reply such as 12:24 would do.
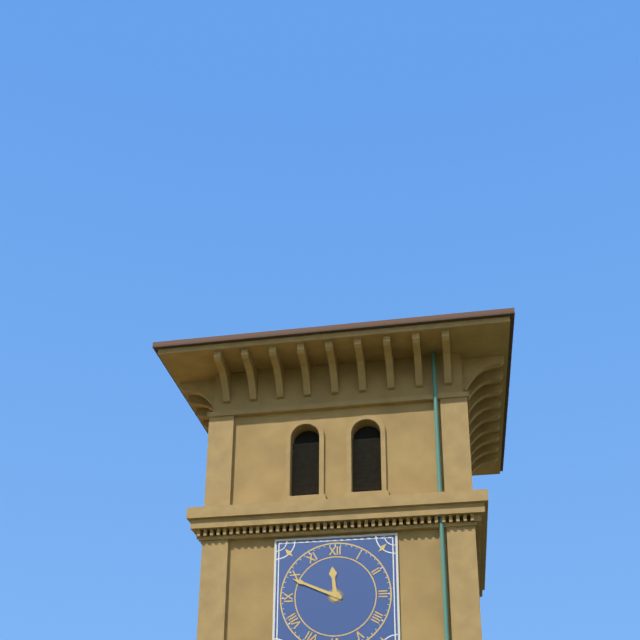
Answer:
11:49
